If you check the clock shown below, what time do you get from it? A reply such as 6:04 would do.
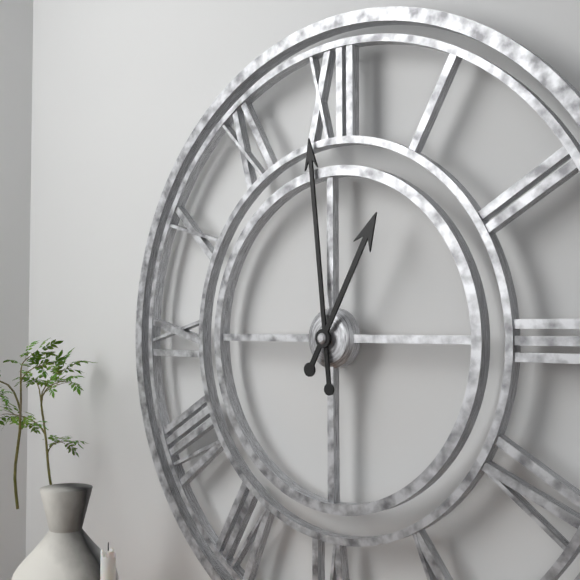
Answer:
12:59
